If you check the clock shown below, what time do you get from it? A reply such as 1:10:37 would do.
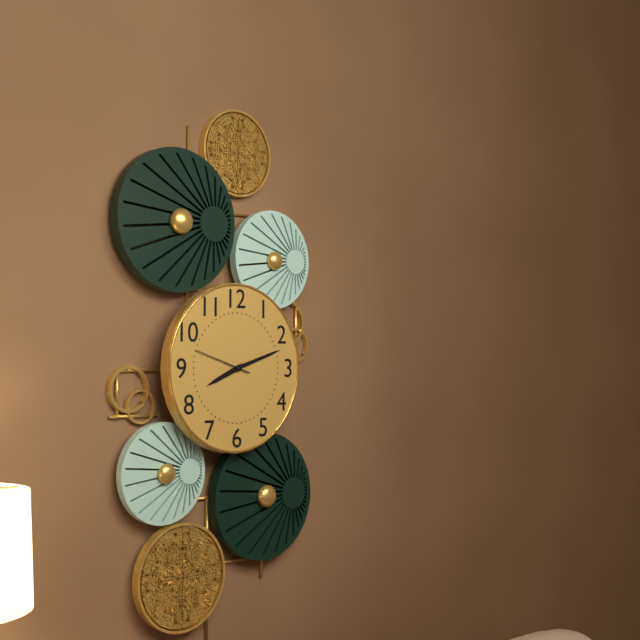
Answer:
8:12:48
